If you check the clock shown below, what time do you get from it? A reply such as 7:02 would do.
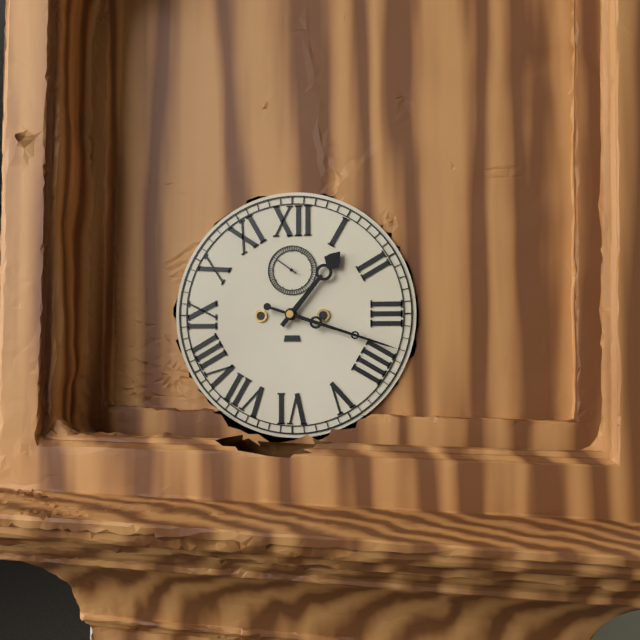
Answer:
1:18
